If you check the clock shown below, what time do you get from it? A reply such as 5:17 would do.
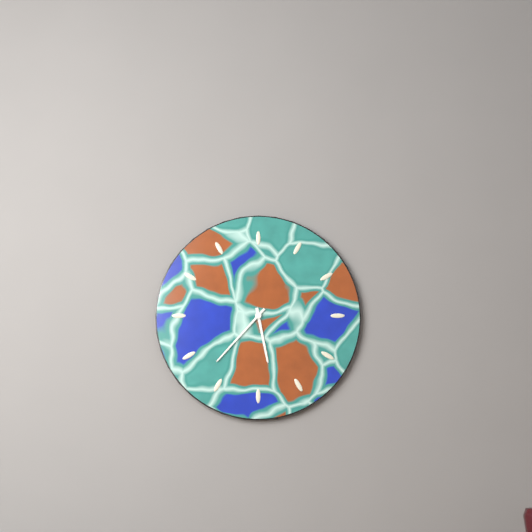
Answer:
5:37
